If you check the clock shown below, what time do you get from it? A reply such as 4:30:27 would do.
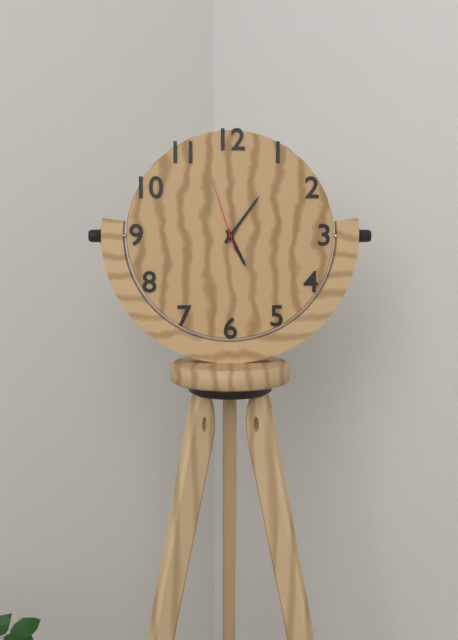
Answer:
5:06:57
